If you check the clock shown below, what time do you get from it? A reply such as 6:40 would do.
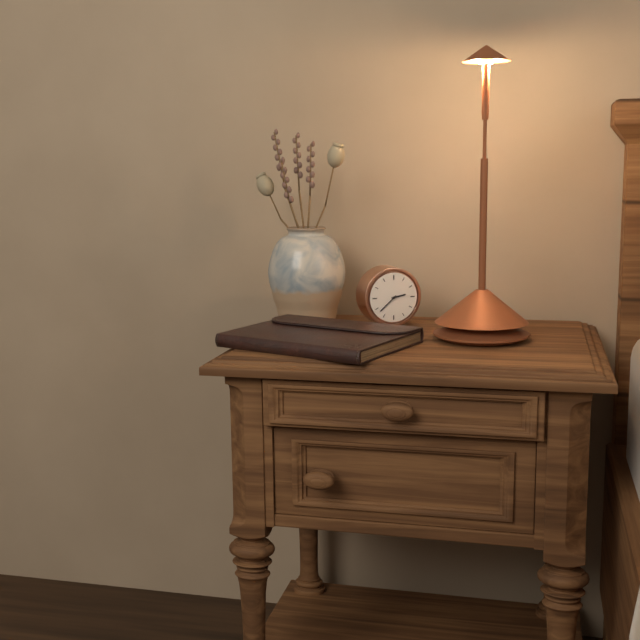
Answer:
2:38
